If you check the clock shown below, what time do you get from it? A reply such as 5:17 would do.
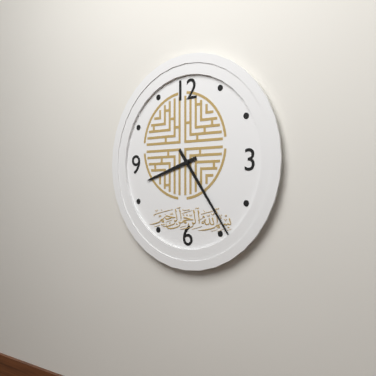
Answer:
8:24
